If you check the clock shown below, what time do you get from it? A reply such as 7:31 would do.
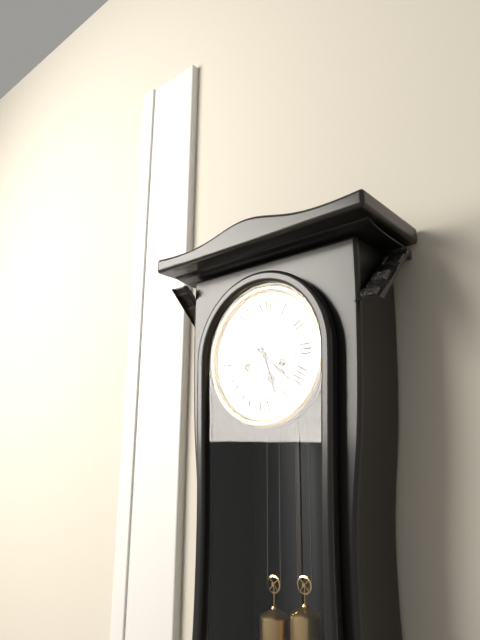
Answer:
5:22
